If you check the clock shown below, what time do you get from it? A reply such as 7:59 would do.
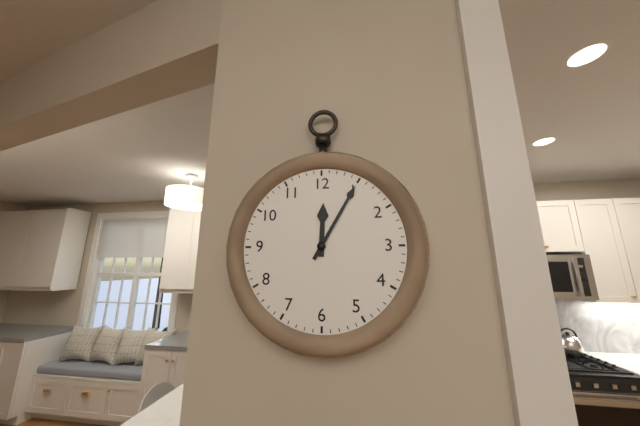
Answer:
12:05
